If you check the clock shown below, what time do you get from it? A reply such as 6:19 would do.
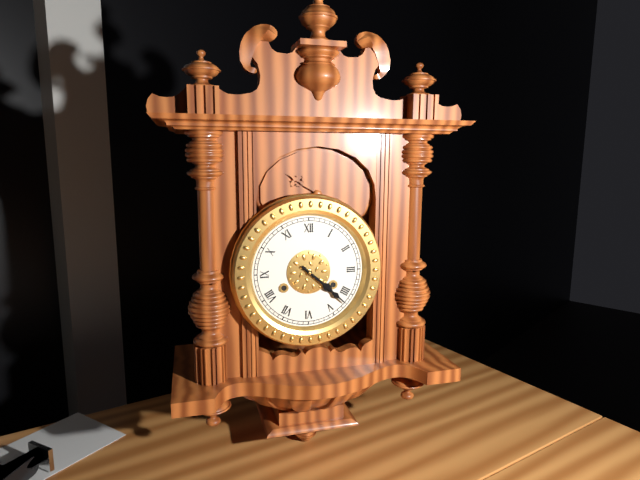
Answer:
4:22
